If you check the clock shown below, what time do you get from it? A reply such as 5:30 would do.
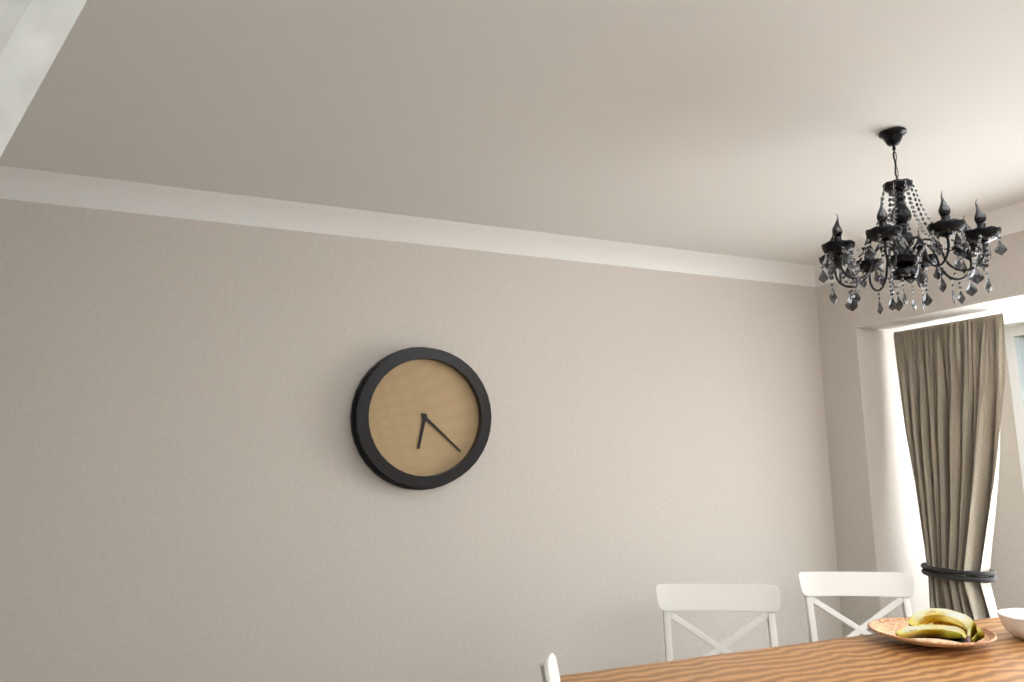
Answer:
6:22
